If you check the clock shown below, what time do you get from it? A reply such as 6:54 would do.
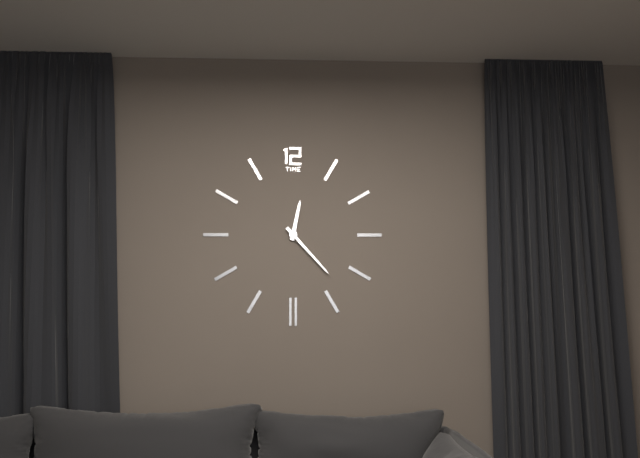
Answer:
12:23
